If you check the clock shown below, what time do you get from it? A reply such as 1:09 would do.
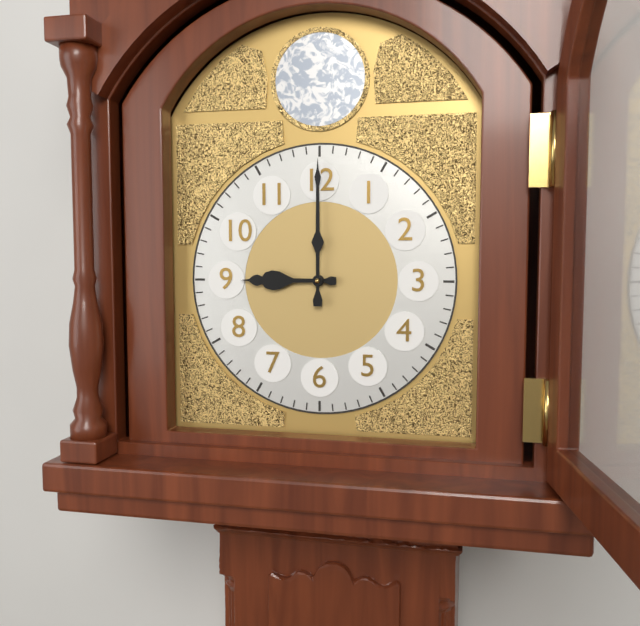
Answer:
9:00
